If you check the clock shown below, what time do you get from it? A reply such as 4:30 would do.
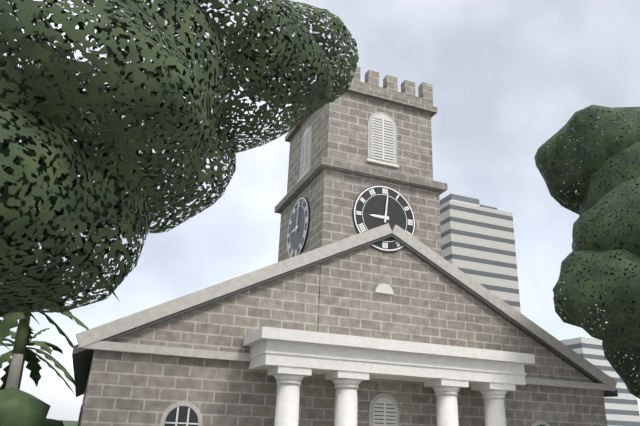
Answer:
9:01
